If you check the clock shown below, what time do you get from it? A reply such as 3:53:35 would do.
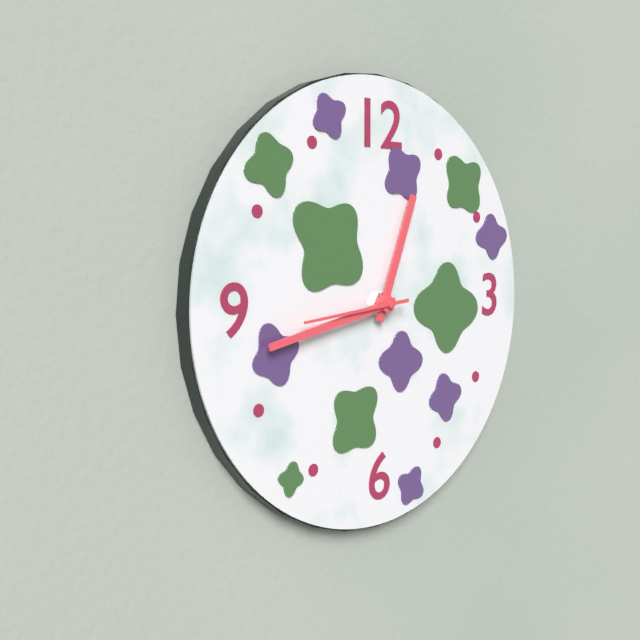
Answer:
12:43:44
